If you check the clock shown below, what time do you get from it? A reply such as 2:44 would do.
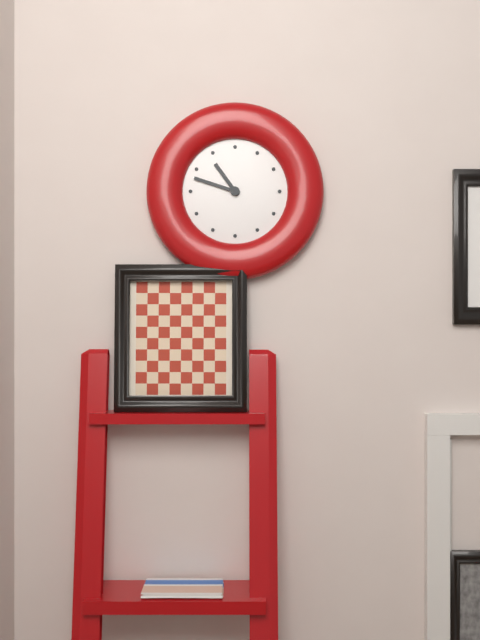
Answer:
10:48
